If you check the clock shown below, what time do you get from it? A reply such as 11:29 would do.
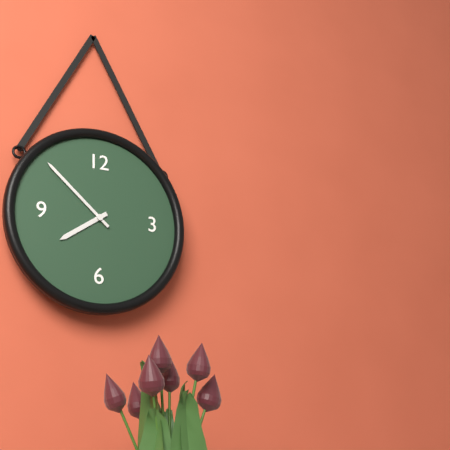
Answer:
7:52
